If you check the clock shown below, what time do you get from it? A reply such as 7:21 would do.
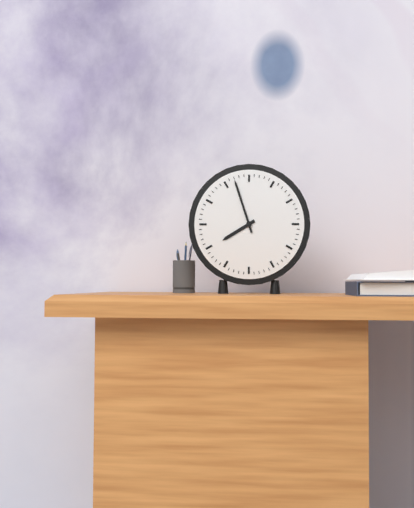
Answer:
7:57
